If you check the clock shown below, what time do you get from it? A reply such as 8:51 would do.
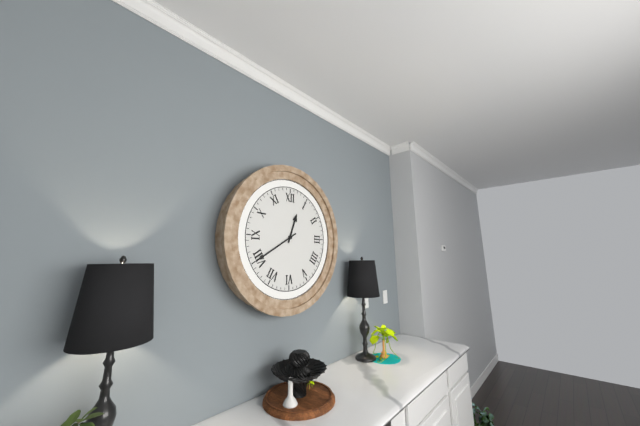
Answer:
12:40
